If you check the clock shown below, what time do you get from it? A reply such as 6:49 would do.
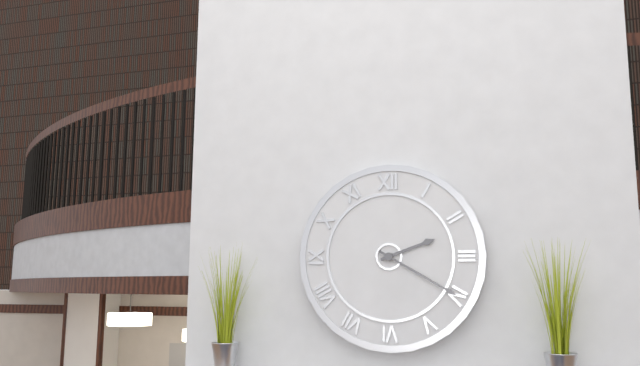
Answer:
2:20
